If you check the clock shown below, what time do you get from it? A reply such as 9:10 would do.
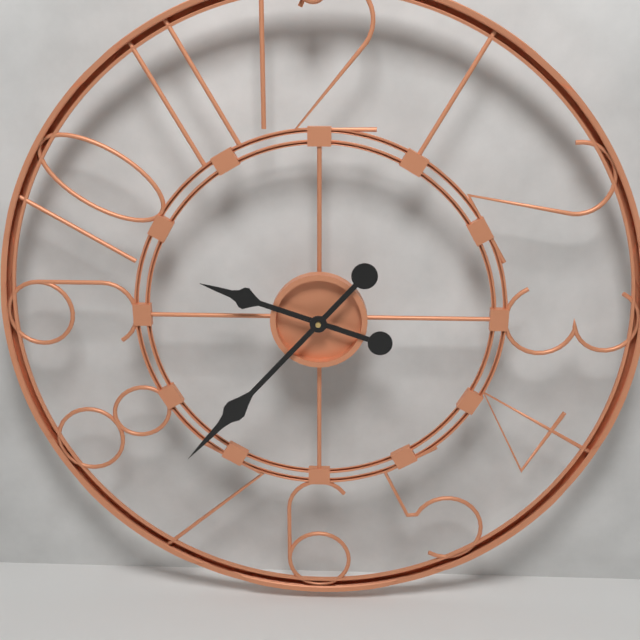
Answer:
9:37
